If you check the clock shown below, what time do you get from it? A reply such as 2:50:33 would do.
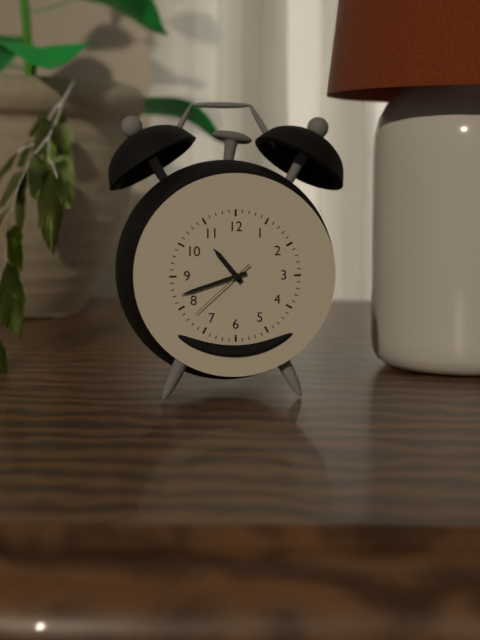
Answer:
10:42:38
